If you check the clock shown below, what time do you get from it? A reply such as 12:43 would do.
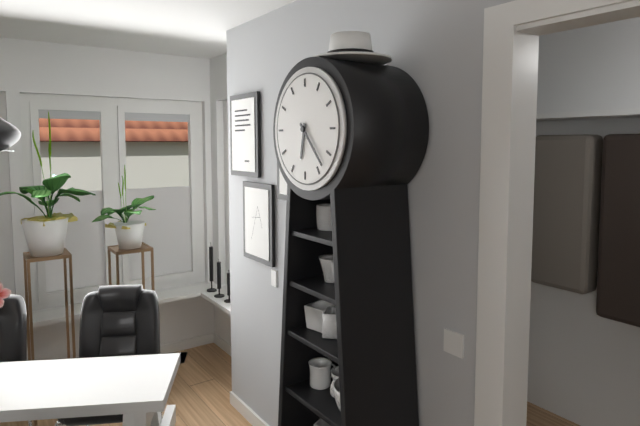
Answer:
6:23
